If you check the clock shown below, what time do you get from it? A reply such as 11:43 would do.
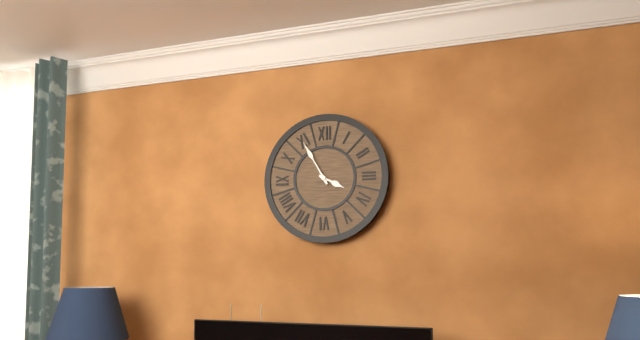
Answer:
3:55
